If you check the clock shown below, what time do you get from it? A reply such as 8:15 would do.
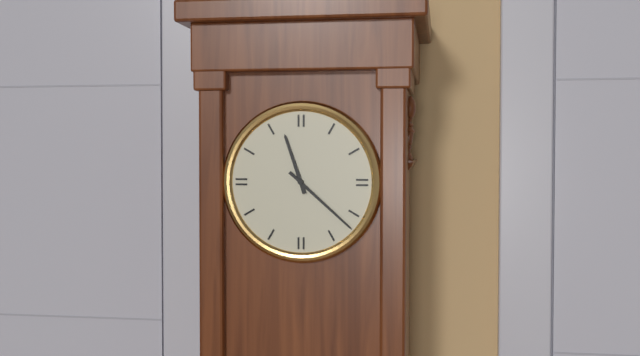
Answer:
11:22
